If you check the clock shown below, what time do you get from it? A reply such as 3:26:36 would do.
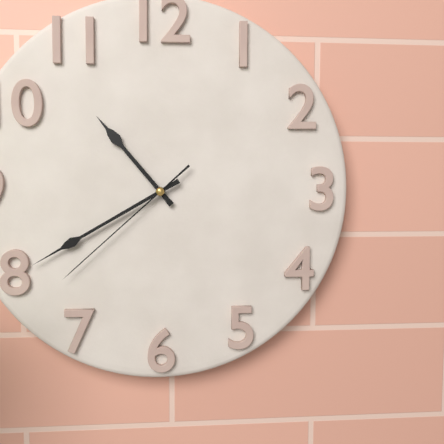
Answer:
10:40:38
